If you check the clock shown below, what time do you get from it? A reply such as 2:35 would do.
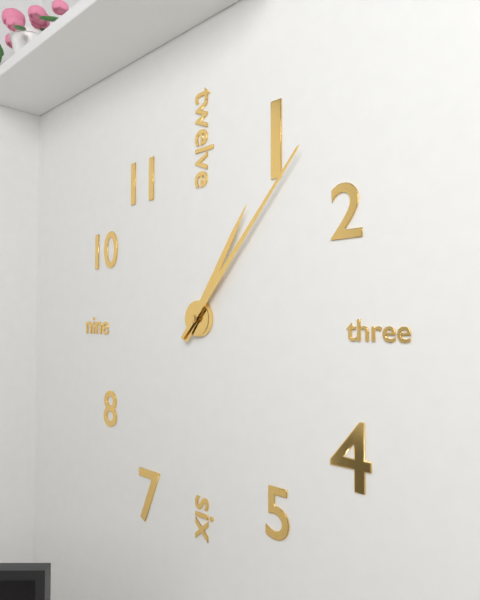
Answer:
1:07
